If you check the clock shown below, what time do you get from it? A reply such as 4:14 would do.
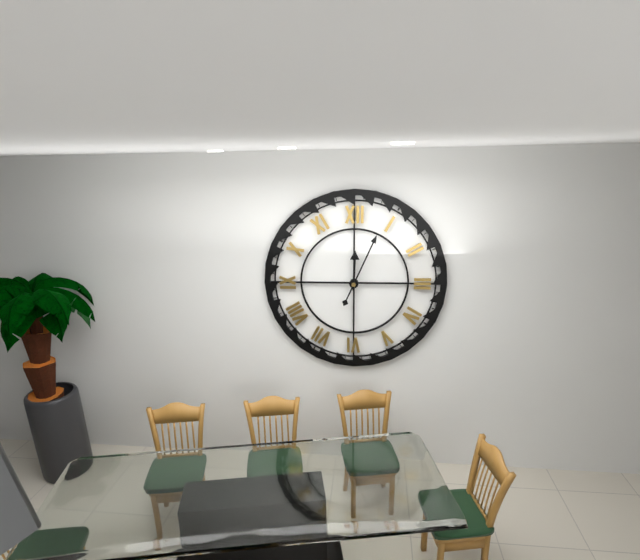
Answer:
12:04
